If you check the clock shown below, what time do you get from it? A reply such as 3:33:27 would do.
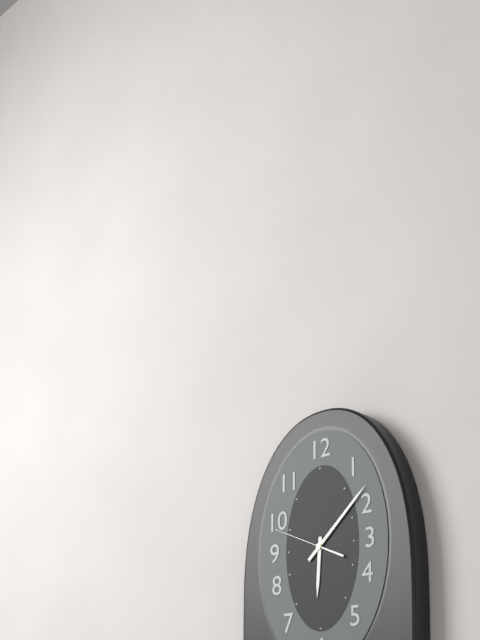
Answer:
6:08:49
